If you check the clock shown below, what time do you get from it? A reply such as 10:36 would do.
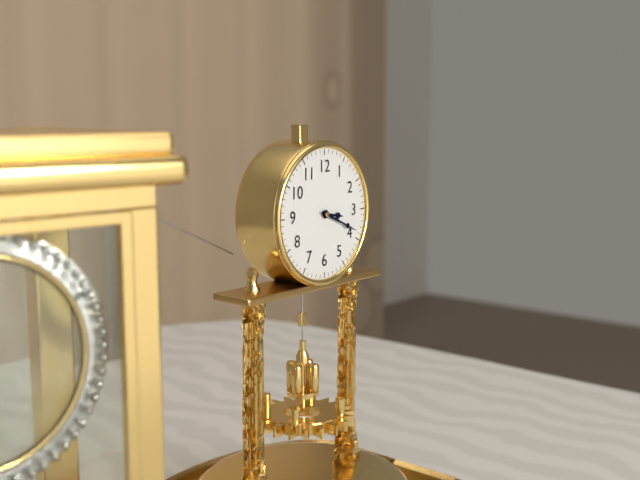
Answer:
3:19
